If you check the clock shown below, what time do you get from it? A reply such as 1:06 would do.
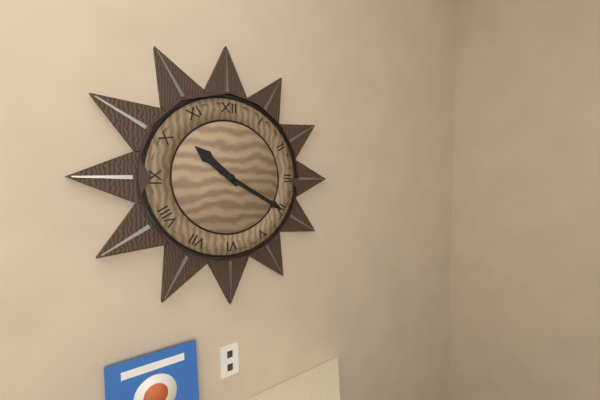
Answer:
10:20
